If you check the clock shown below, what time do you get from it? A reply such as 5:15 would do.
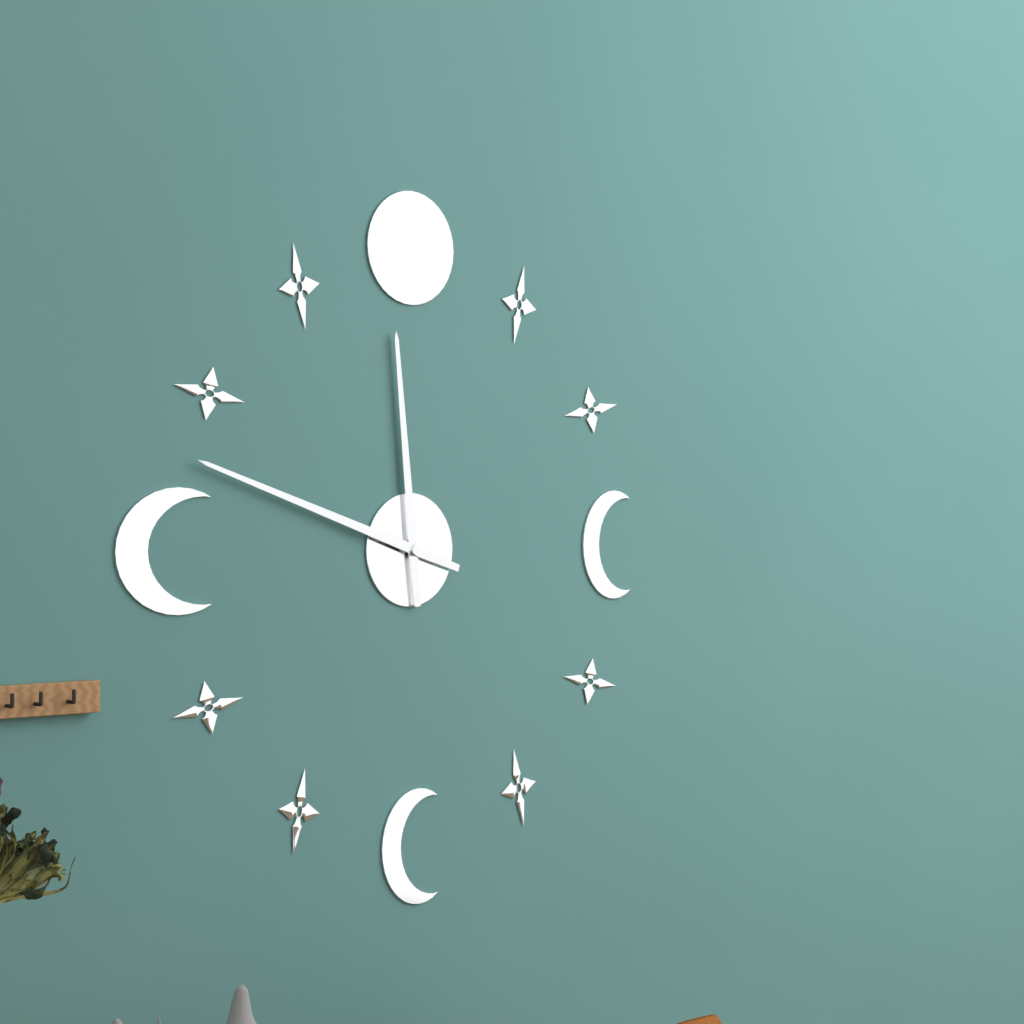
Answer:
11:48
